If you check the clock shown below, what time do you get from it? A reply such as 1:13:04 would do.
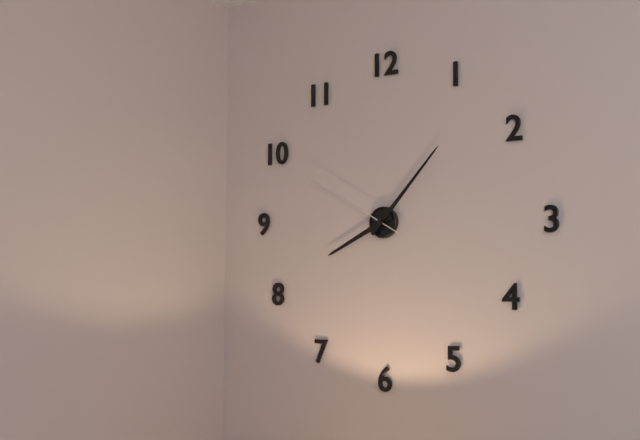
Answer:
8:07:50
